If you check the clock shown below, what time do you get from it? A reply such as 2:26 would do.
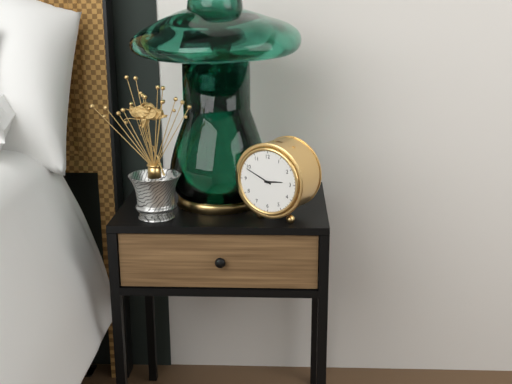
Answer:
2:49
